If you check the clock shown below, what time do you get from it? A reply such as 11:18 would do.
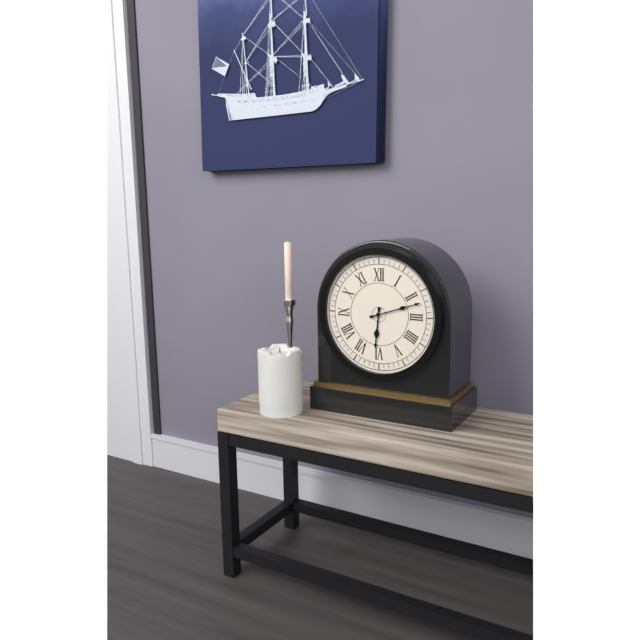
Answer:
6:12
